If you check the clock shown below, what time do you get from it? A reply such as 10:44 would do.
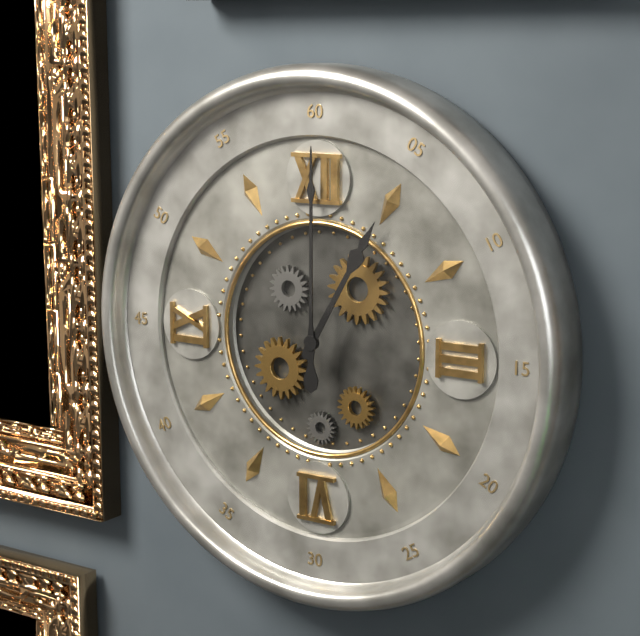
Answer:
1:00
